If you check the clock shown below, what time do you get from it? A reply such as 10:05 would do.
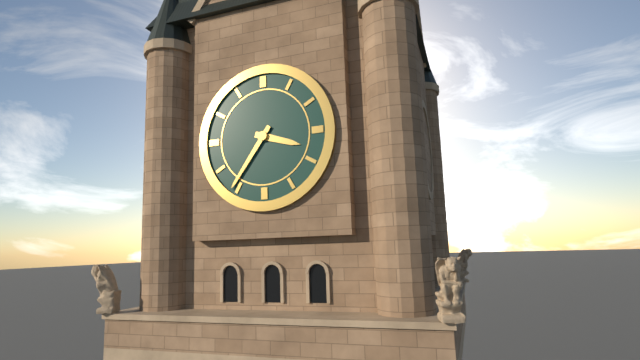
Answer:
3:36
